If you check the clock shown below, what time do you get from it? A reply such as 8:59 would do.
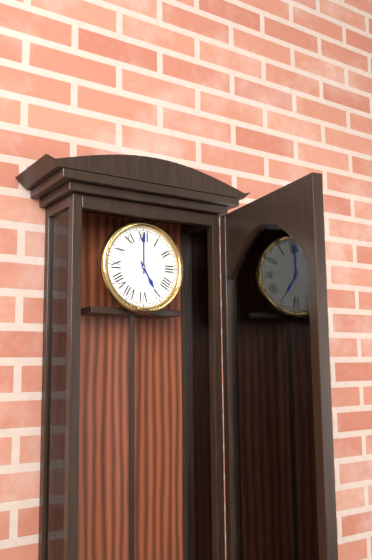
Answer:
5:00
